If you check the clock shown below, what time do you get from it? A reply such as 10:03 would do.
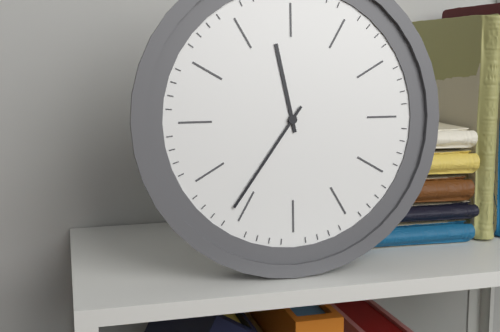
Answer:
11:36
